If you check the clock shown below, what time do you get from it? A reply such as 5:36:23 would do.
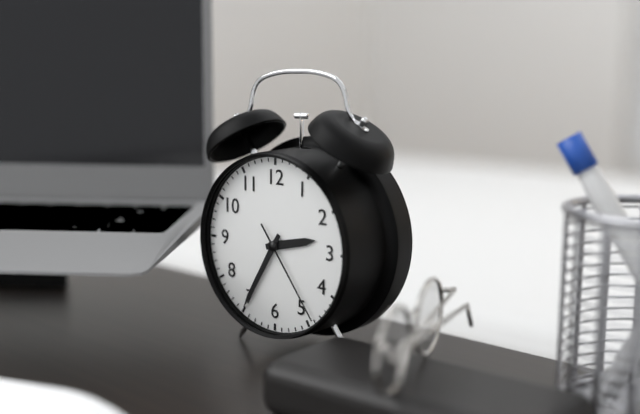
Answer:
2:35:24
